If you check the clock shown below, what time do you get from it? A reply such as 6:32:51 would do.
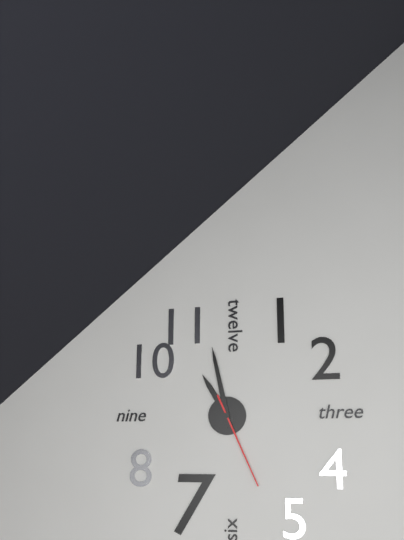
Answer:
10:58:26
